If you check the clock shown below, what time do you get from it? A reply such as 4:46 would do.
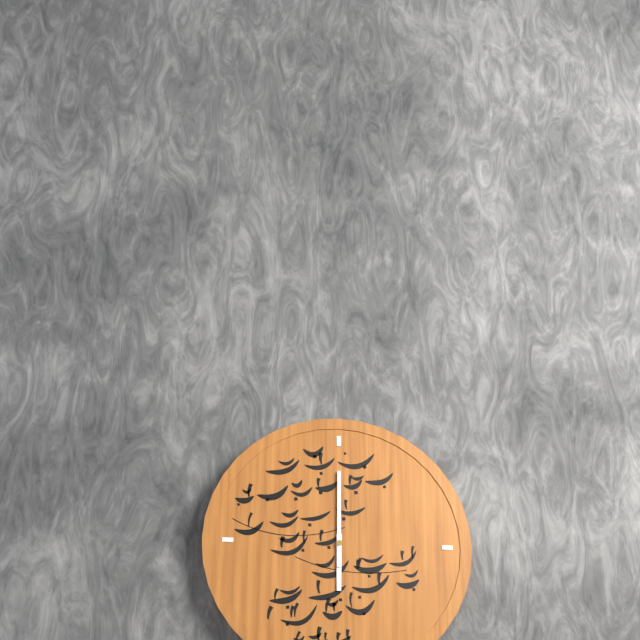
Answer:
6:00
